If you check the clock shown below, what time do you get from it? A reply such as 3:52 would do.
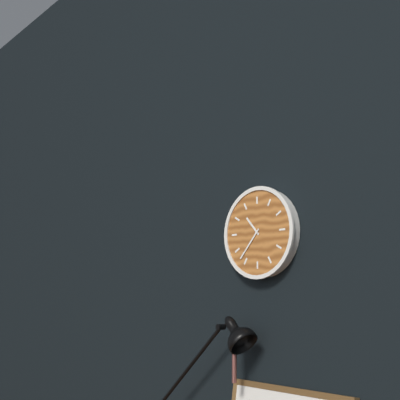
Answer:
10:37
